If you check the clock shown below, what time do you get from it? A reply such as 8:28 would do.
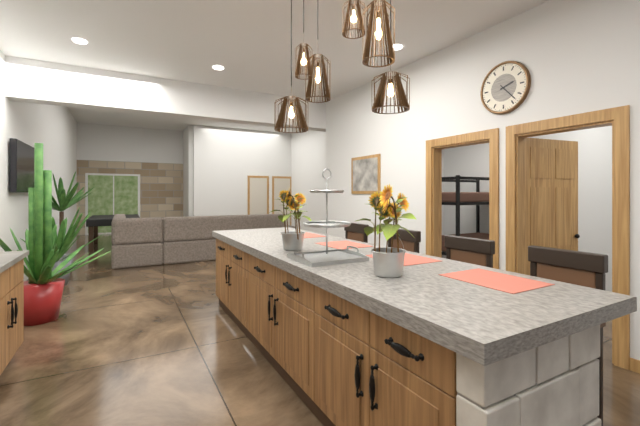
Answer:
2:23
